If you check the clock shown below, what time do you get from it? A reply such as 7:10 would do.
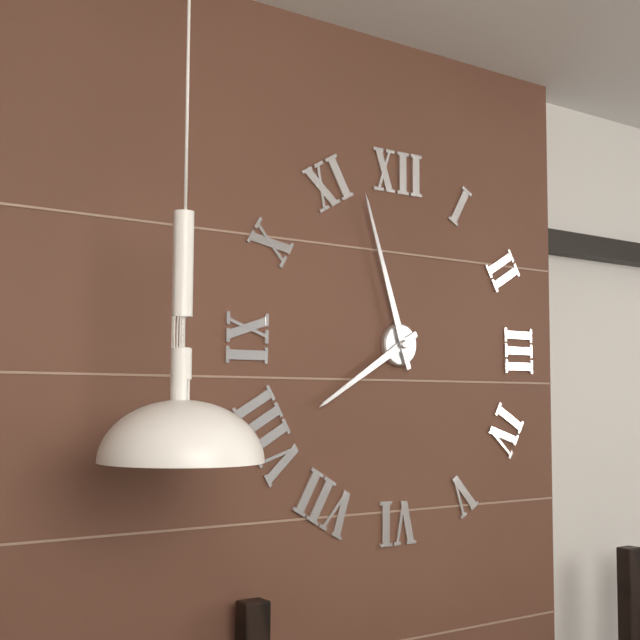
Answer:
7:57
